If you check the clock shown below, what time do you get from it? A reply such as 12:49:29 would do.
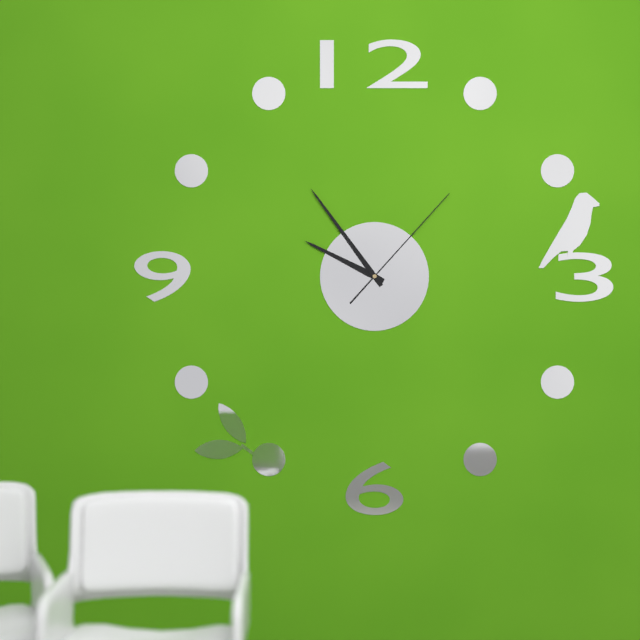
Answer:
9:54:07
